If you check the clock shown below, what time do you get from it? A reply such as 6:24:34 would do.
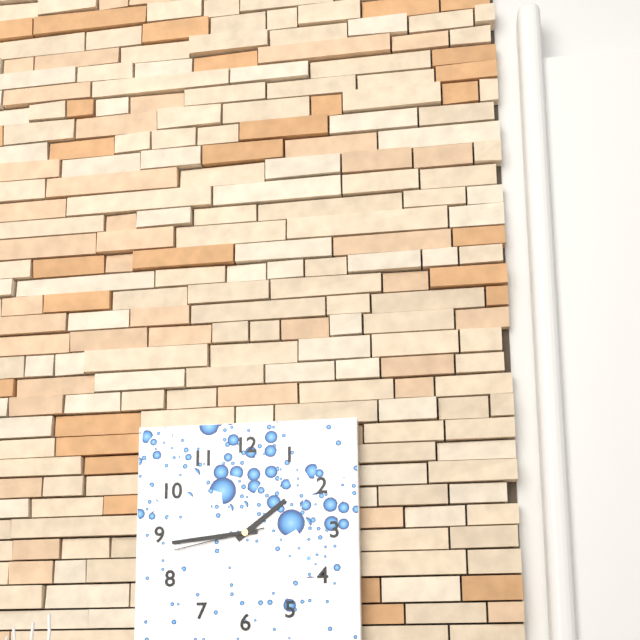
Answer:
1:44:43
